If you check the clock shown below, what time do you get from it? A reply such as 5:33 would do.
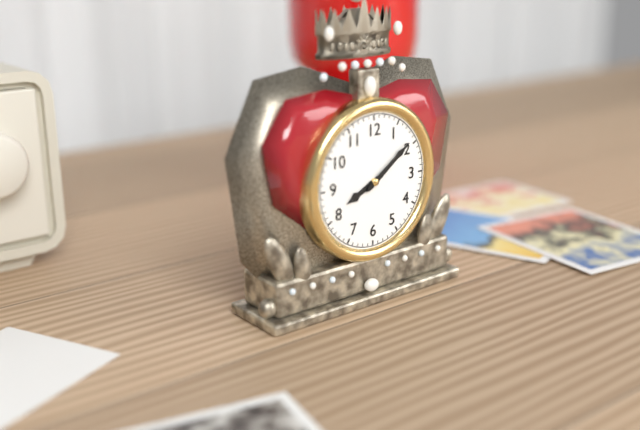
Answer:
8:09
